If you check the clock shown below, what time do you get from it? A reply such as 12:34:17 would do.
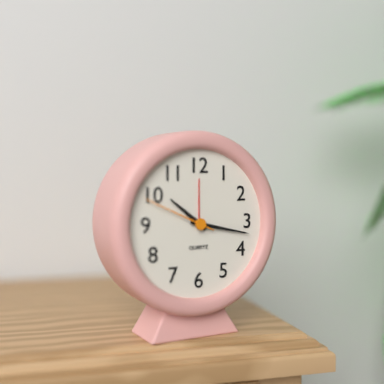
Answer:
10:17:49
